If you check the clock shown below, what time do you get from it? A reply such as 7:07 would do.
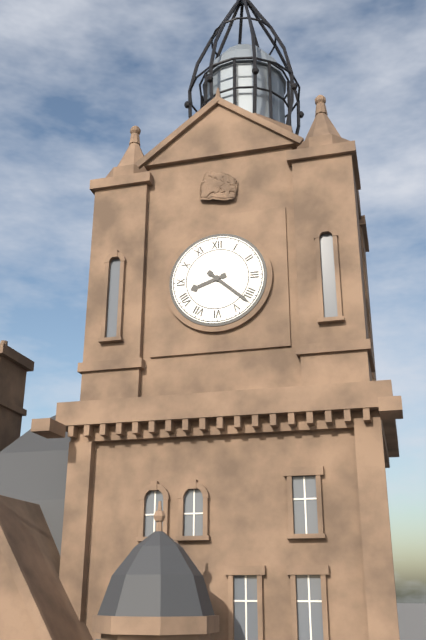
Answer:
8:22
